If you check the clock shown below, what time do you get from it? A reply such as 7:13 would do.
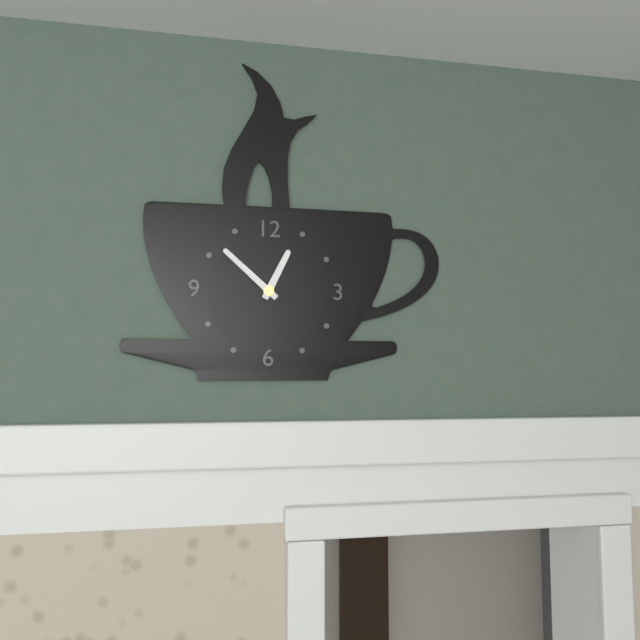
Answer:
12:52
